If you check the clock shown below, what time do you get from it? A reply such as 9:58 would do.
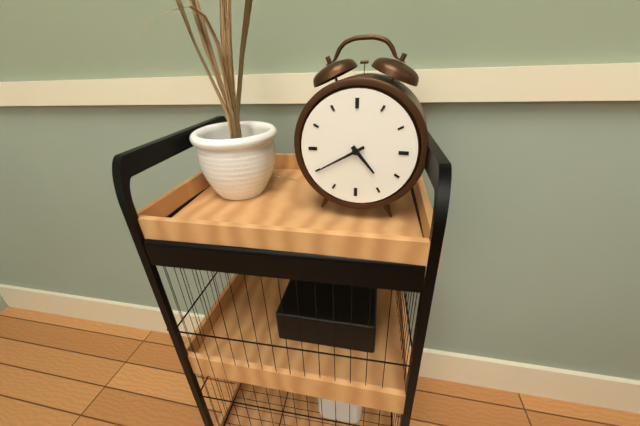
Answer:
4:40
